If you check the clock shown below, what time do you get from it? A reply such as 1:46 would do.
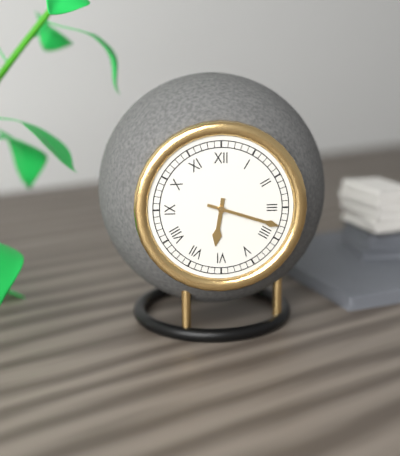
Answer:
6:18
